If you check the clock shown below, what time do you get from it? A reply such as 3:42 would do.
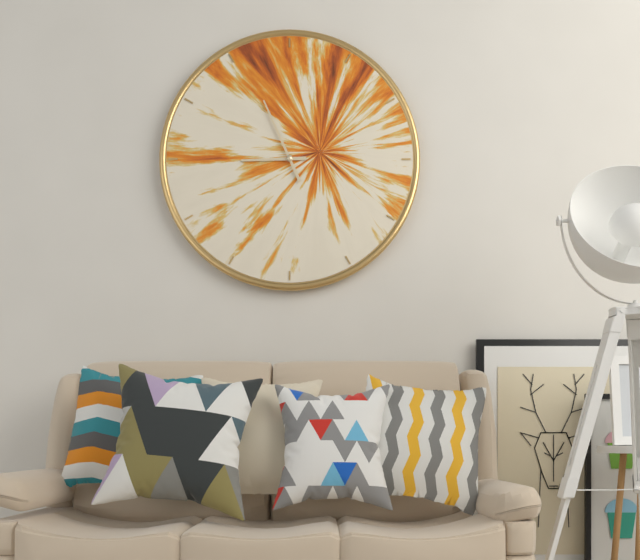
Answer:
8:56
